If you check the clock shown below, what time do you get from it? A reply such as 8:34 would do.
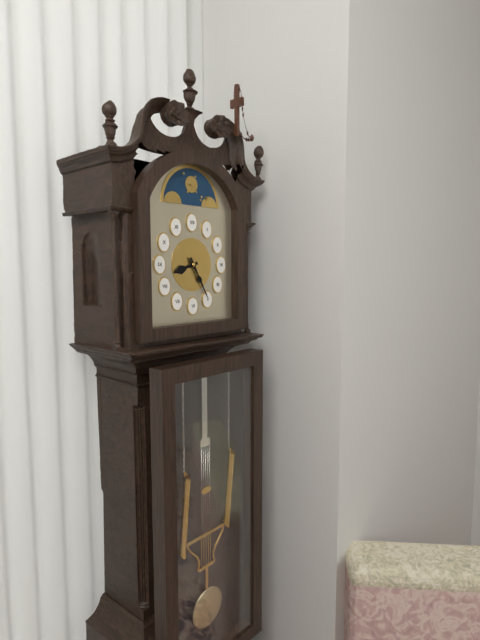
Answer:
8:25
